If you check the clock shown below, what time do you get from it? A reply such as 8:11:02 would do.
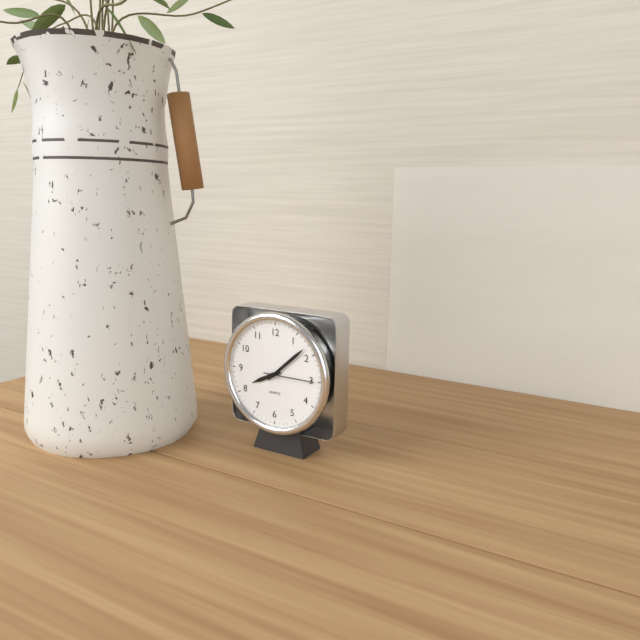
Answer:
8:08:15
